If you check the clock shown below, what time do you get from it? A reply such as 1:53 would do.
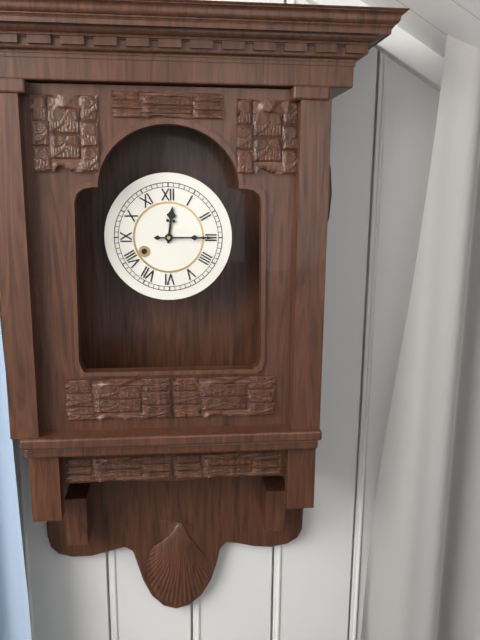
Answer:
12:15
